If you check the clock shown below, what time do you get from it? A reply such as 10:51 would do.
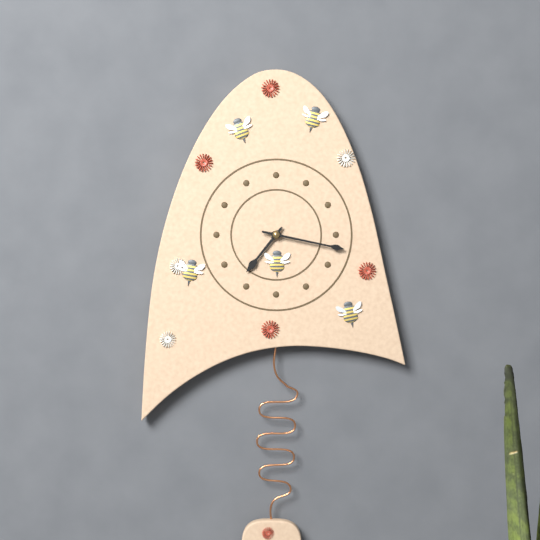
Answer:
7:17
